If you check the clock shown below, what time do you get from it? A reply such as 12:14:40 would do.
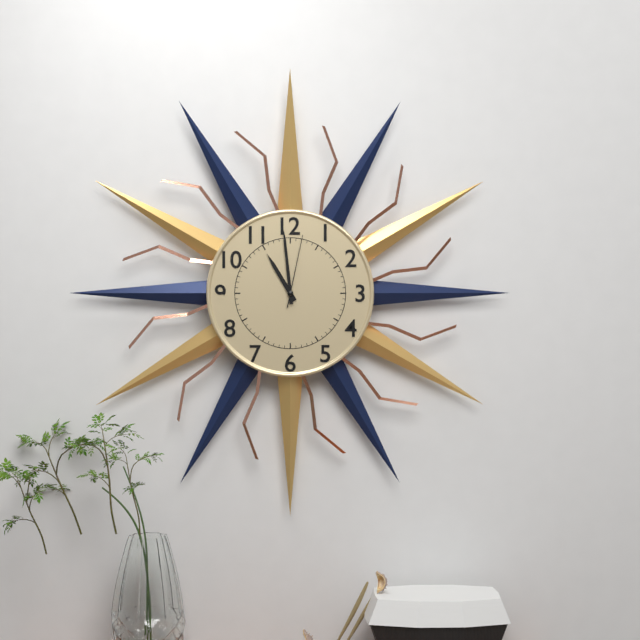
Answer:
10:59:02
